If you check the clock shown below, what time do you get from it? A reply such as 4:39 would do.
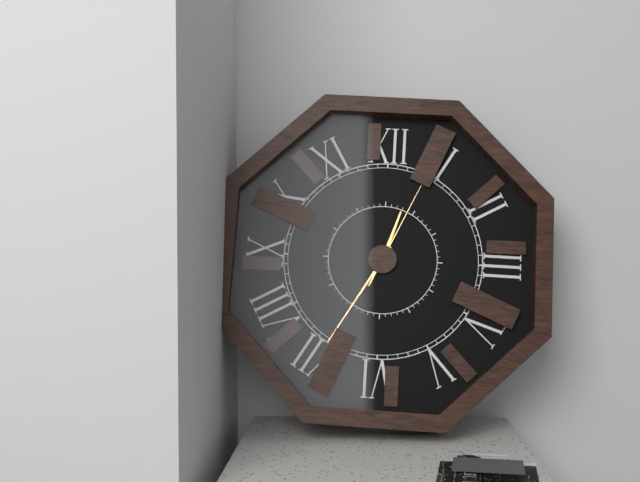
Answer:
12:35
